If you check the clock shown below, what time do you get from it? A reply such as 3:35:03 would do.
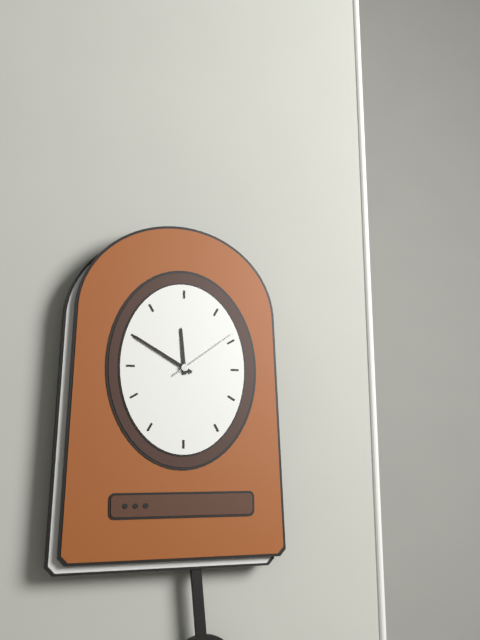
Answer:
11:50:09
